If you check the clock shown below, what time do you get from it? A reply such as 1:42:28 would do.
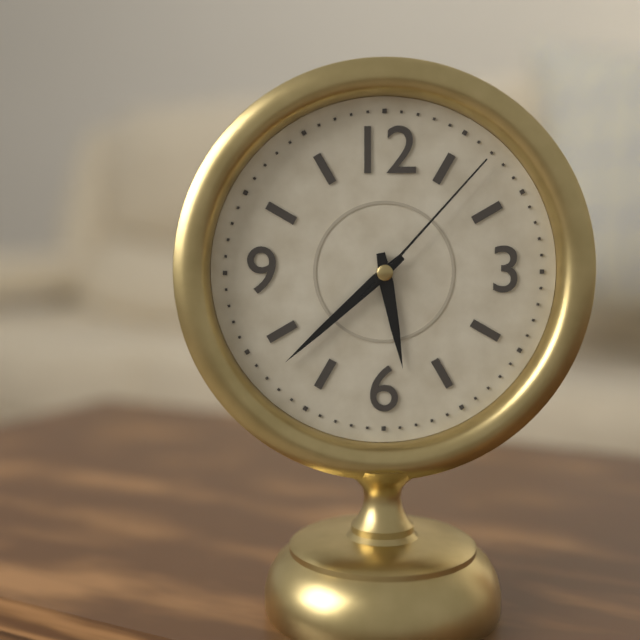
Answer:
5:38:07
